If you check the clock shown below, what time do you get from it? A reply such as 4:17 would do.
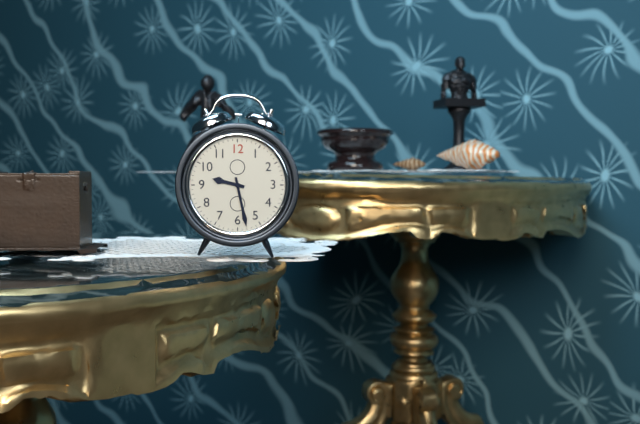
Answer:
9:28
